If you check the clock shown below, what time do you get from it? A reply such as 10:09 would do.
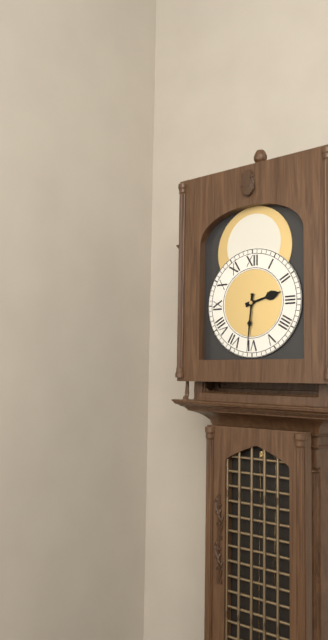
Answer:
2:31
